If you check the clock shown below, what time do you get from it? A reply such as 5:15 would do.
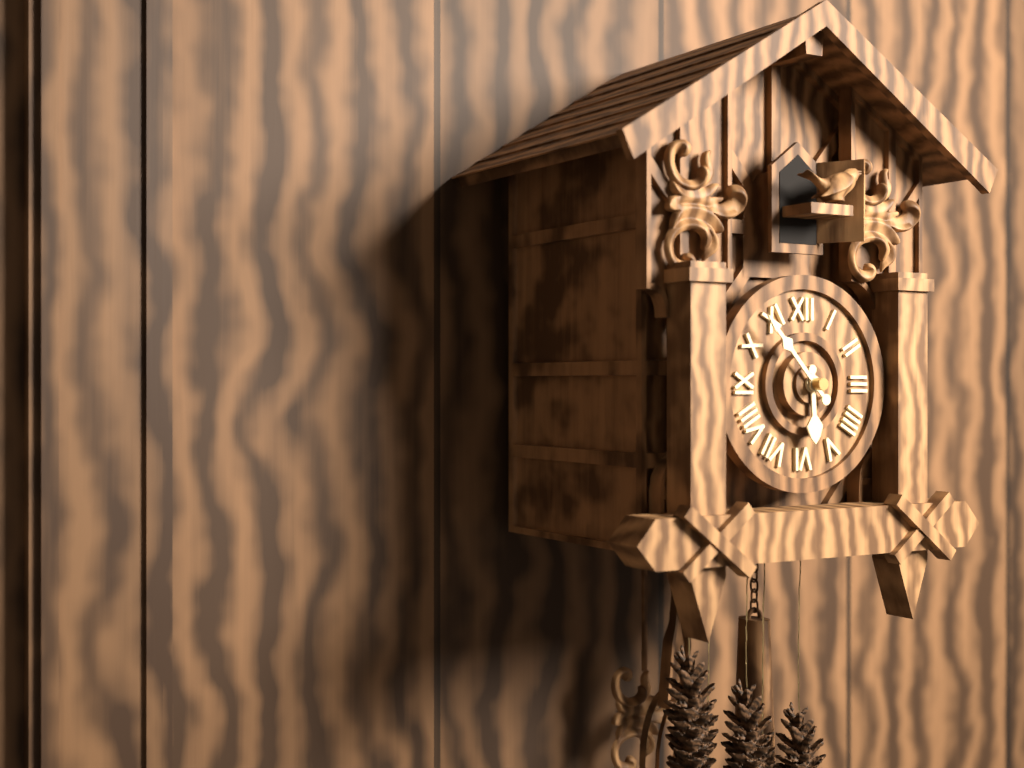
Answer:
5:53
